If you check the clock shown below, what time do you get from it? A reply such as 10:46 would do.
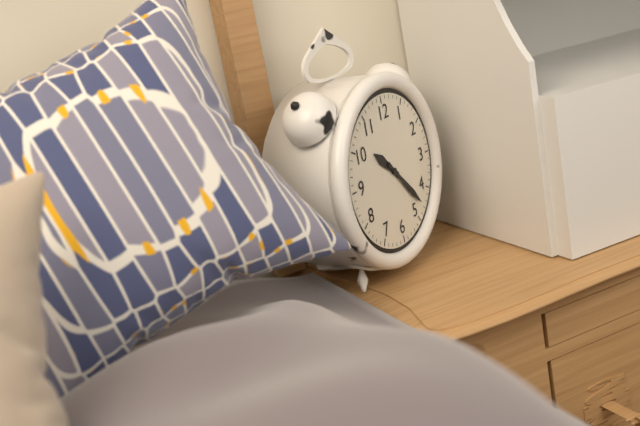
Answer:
10:23
